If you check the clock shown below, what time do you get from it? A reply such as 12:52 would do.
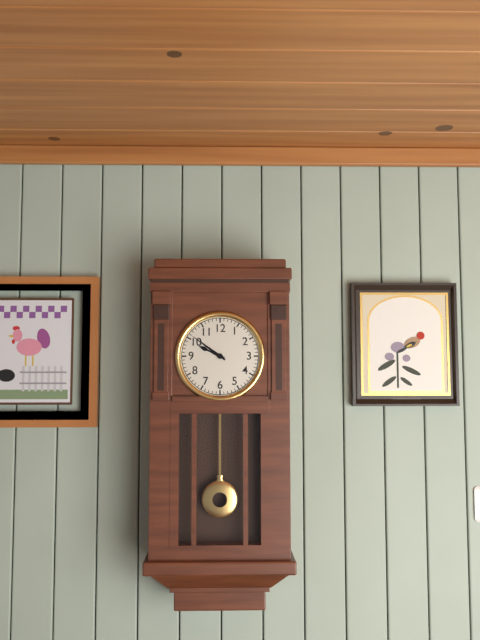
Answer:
9:51
